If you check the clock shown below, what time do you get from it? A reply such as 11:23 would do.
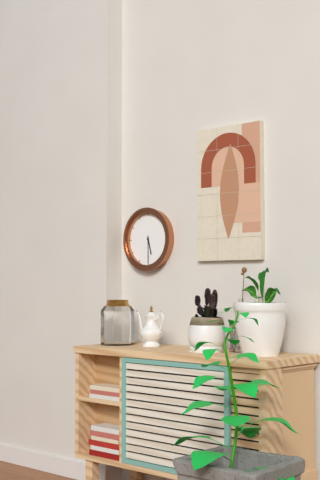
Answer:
5:30
